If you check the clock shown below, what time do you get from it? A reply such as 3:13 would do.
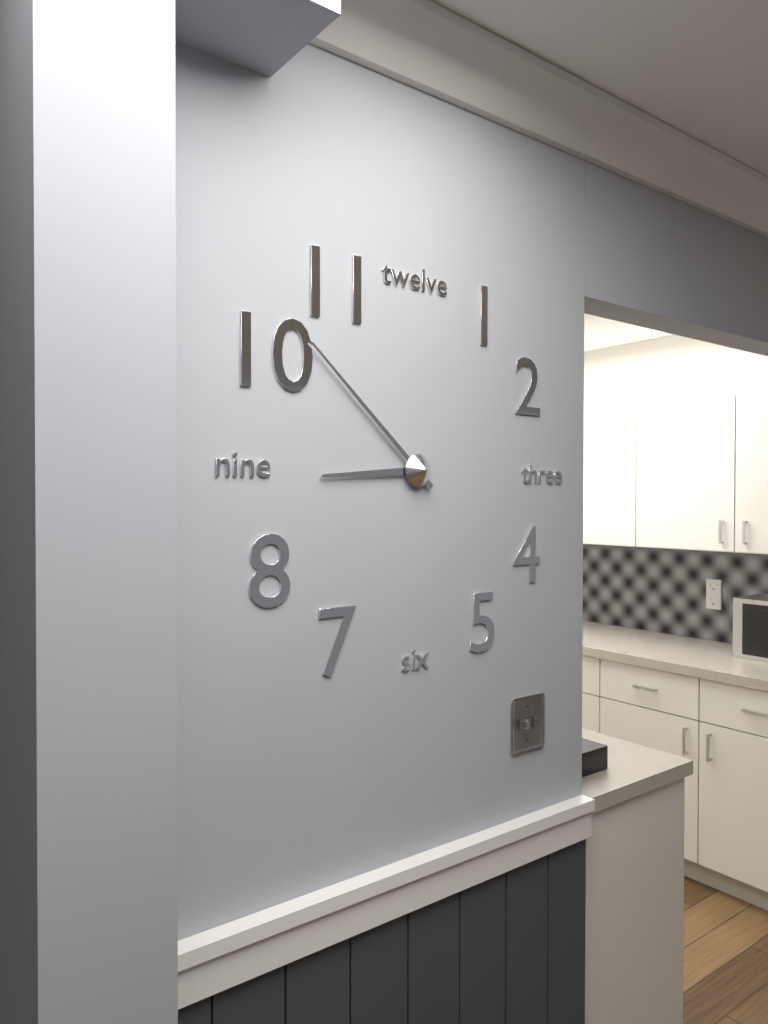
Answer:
8:52
